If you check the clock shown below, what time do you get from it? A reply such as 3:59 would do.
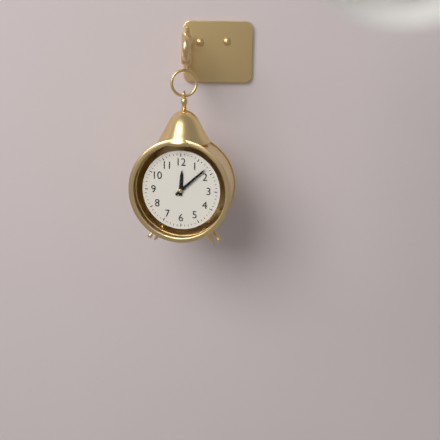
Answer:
12:08
